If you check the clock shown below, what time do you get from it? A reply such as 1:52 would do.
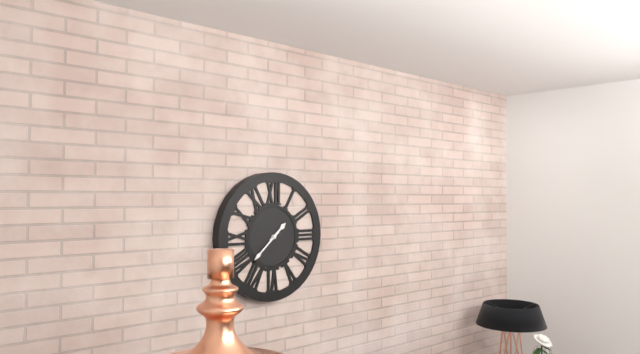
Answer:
1:38
